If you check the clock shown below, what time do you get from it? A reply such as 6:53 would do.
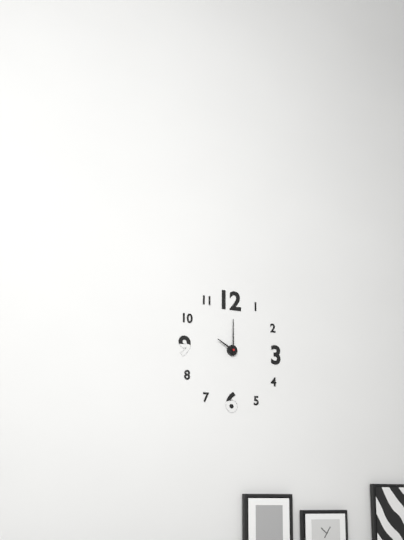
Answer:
10:00
